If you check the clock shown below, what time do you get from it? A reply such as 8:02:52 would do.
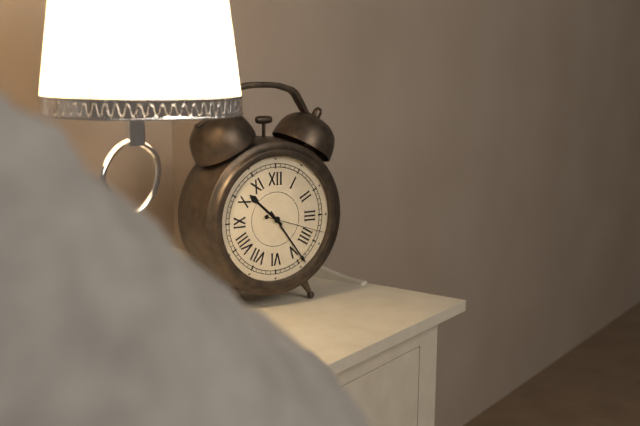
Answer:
10:24:18
